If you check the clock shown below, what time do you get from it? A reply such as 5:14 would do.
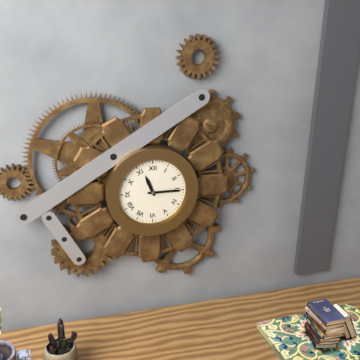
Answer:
11:15
